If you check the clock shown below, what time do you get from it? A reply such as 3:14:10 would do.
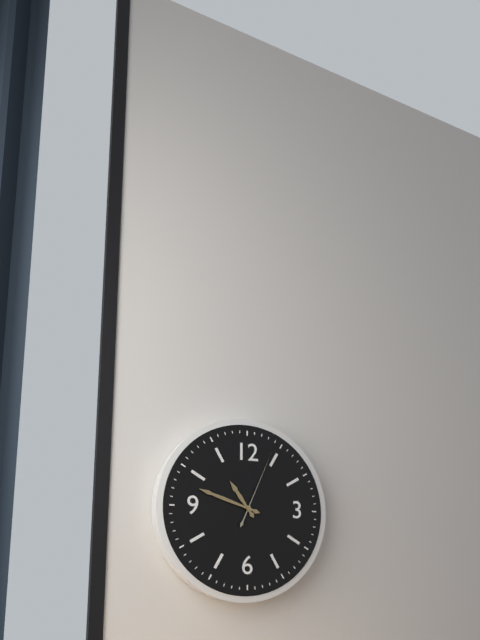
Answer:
10:48:04
